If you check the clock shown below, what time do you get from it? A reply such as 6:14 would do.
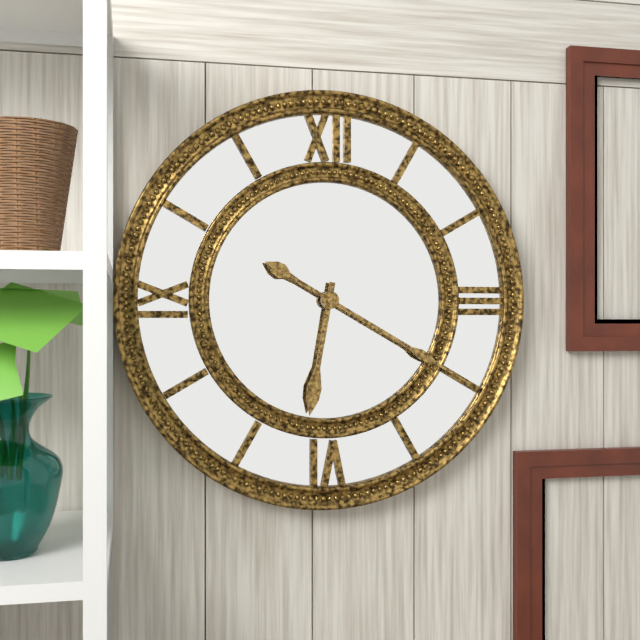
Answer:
6:20
